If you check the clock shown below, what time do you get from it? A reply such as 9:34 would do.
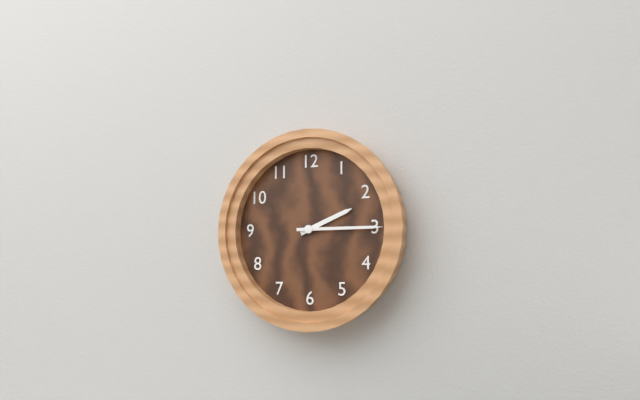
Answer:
2:15
